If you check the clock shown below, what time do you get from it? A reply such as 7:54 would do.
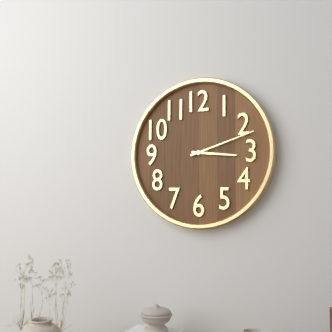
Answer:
3:12
